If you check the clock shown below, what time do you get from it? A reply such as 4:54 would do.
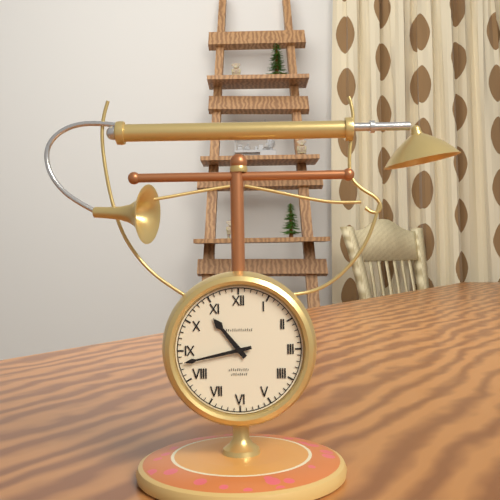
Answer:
10:43
